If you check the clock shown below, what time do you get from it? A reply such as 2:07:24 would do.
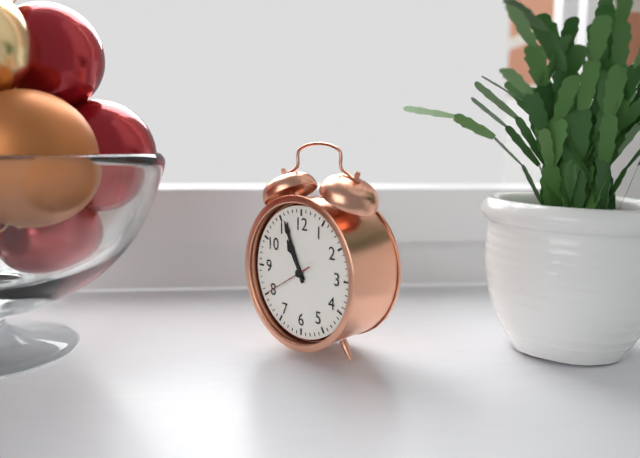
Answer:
10:56:40
